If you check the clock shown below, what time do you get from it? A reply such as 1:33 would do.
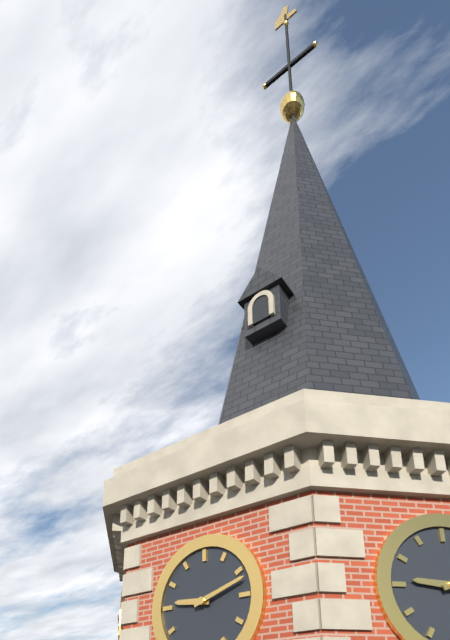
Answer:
9:12
